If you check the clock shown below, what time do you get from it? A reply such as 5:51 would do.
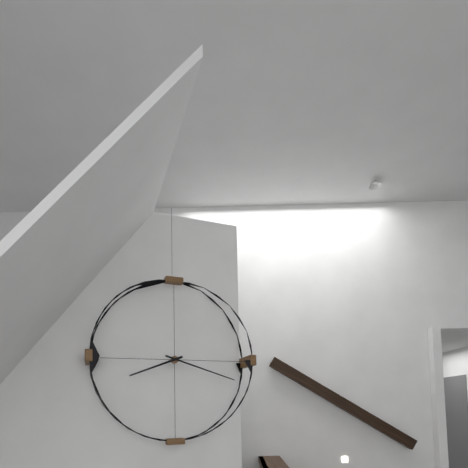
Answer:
8:18
